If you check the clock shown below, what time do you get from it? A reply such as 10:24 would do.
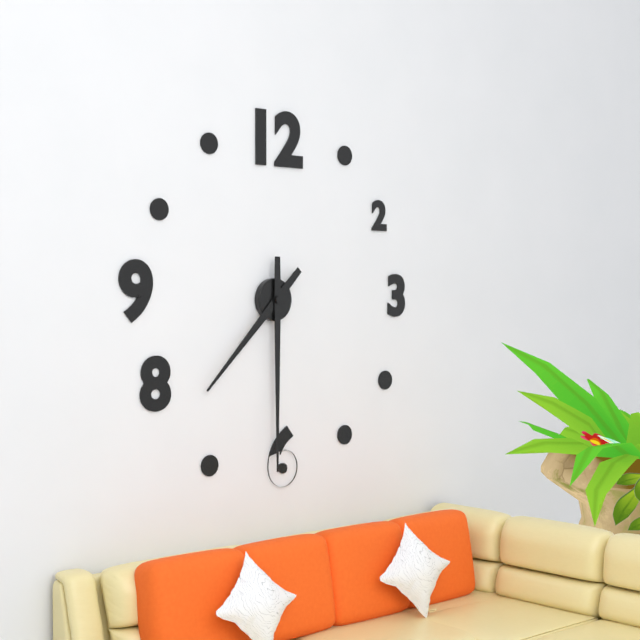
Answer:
7:30
